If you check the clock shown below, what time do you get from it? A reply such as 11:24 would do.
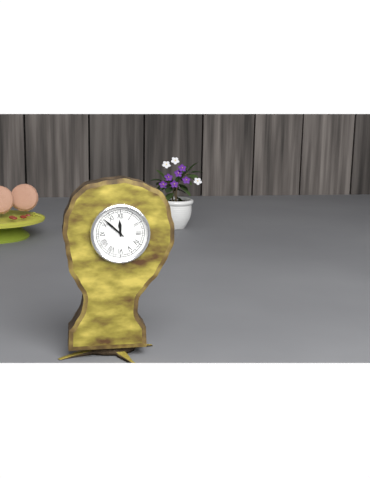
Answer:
11:52
